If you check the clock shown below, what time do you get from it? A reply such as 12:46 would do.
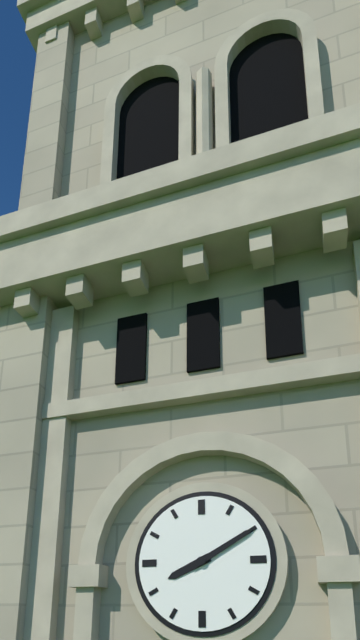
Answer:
8:10
